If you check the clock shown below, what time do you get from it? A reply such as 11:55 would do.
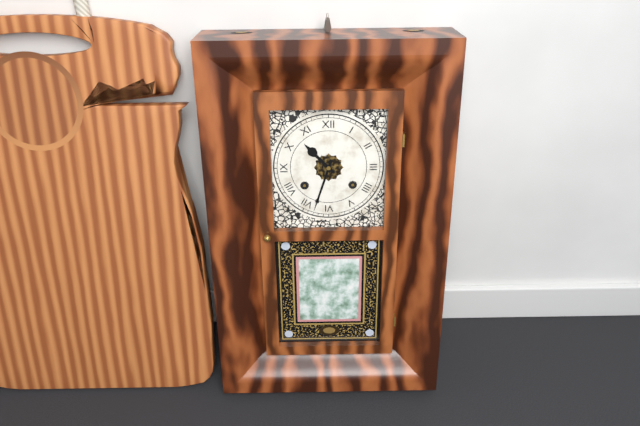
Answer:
10:33
